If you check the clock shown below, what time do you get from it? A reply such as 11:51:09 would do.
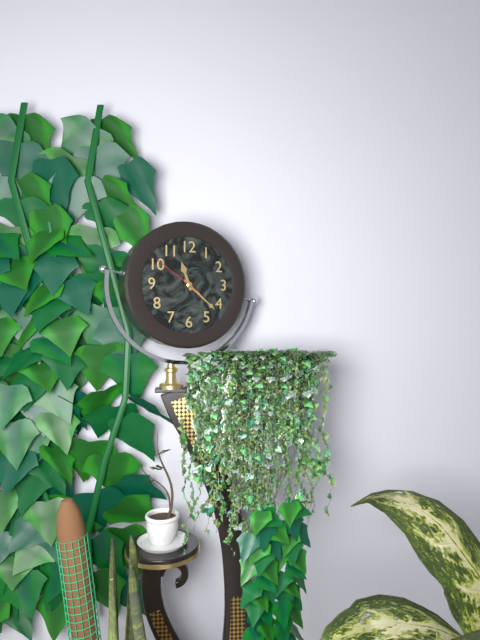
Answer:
11:22:51
